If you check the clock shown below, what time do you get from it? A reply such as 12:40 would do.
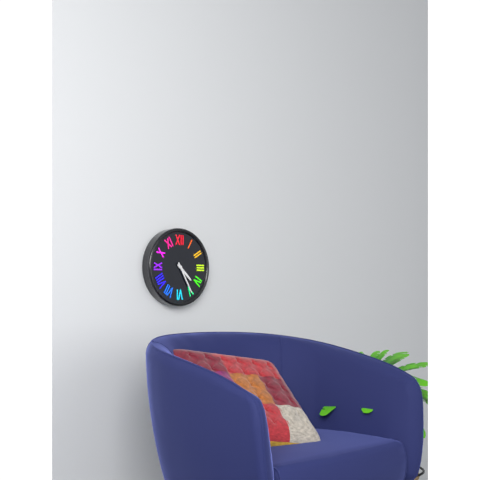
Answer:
4:25
